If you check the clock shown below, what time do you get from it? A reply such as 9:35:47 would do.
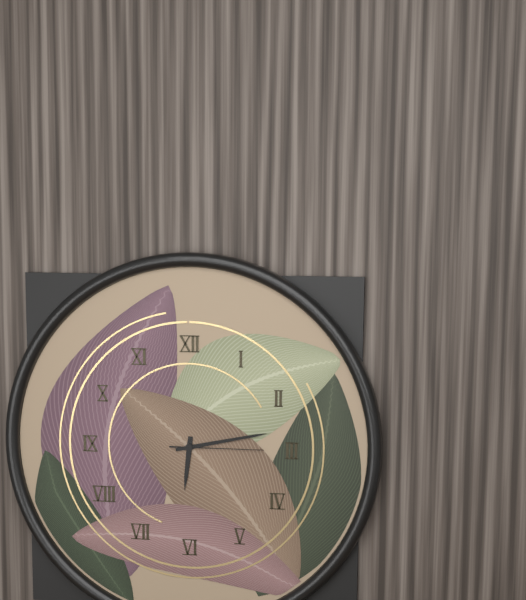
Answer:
6:13:15
